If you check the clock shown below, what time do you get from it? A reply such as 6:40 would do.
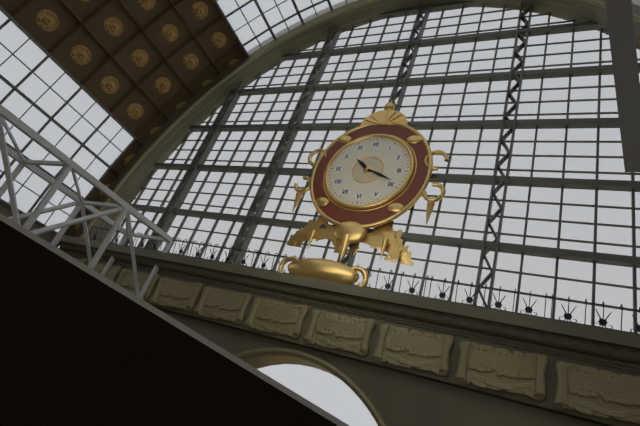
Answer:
10:19
